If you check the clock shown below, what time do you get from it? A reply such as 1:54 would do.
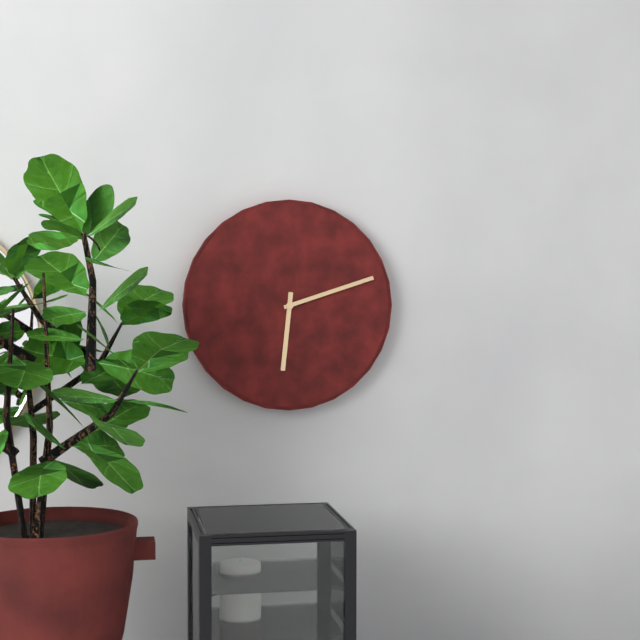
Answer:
6:12
